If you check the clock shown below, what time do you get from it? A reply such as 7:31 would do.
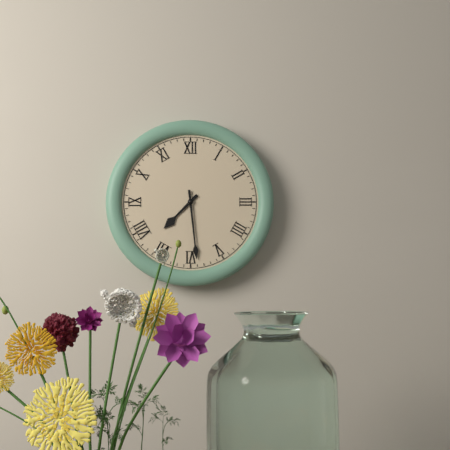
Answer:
7:29
